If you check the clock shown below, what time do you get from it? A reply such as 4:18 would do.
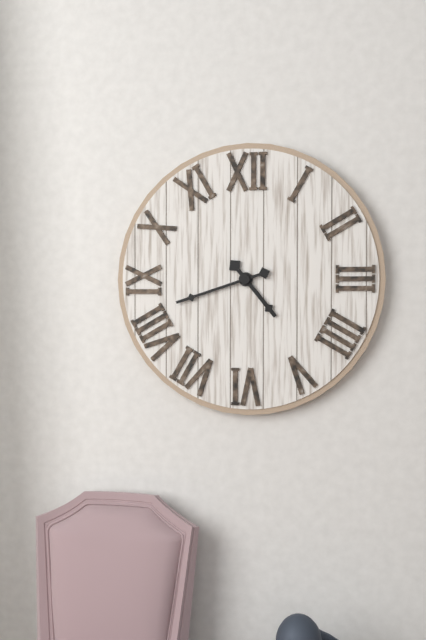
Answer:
4:42
